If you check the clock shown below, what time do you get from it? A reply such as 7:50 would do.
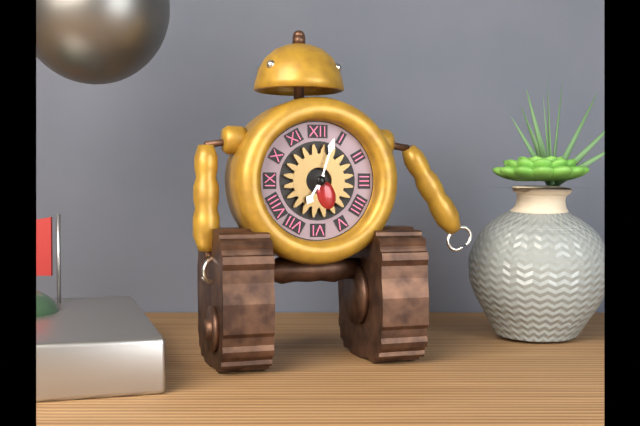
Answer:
7:03
